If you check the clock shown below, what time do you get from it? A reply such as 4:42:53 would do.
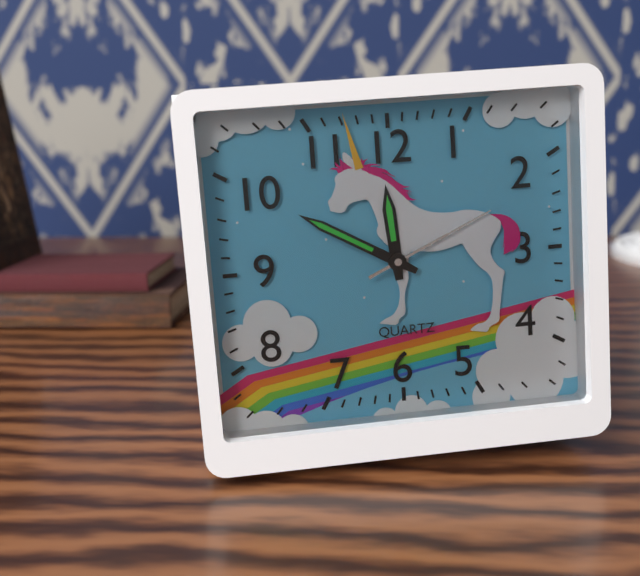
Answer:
11:50:11
